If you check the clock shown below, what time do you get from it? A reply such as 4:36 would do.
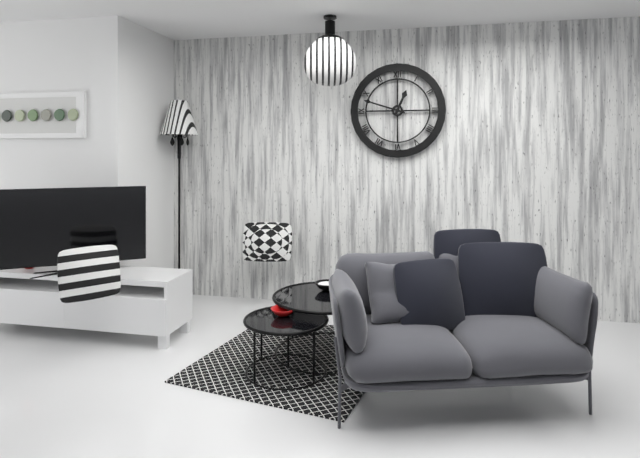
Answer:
12:48
